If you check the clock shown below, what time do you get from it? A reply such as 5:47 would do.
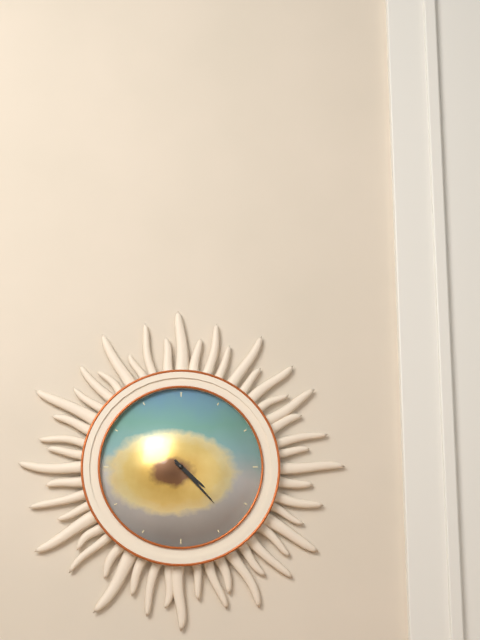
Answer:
4:23
